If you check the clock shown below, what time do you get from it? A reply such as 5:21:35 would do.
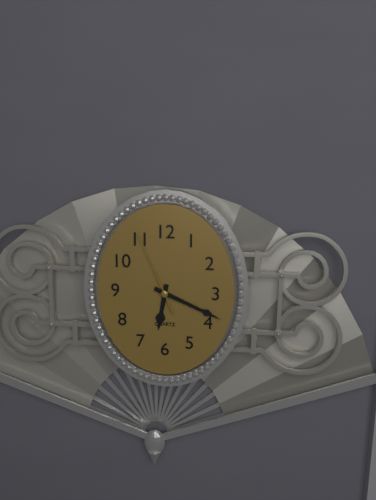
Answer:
6:19:56
